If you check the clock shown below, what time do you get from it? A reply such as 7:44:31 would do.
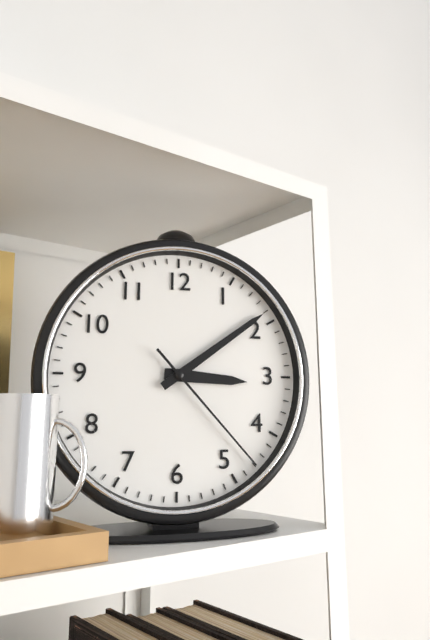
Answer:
3:09:23
